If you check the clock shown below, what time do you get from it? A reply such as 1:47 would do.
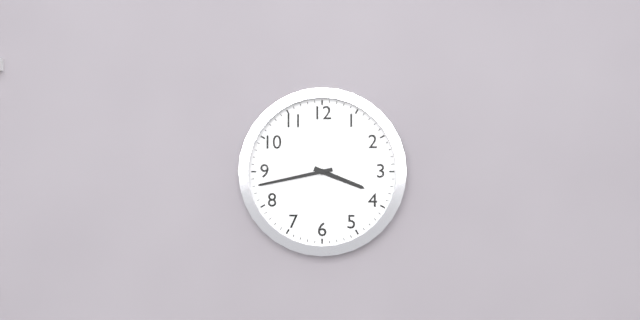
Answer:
3:43
